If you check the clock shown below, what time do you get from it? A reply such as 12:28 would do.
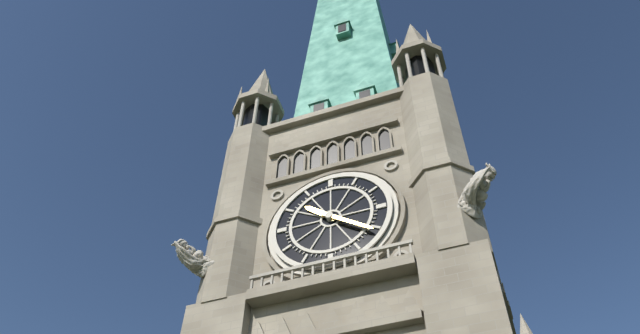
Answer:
10:21
